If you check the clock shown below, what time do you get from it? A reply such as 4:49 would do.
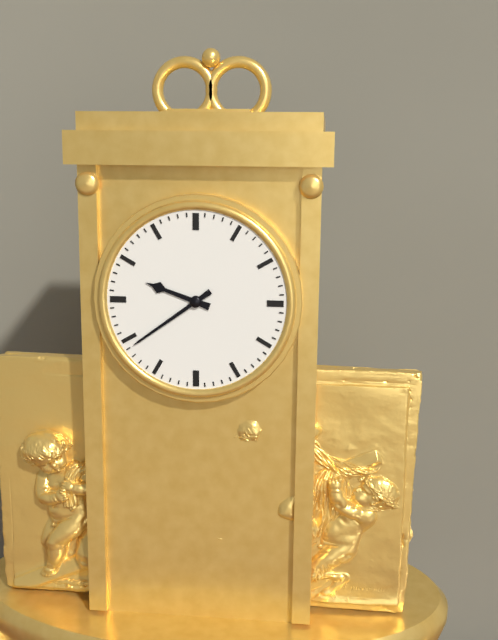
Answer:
9:39
